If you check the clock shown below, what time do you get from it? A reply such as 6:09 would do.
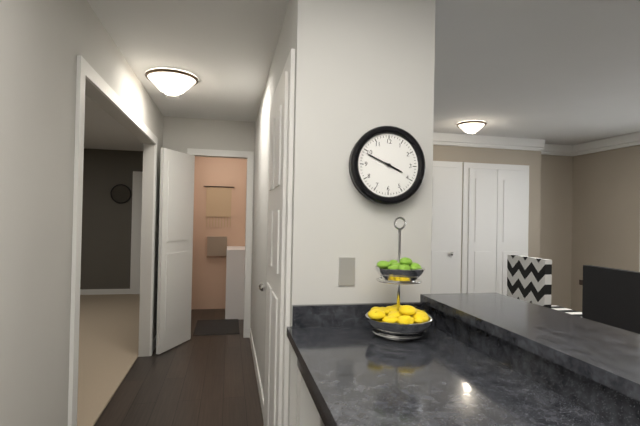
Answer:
3:49
